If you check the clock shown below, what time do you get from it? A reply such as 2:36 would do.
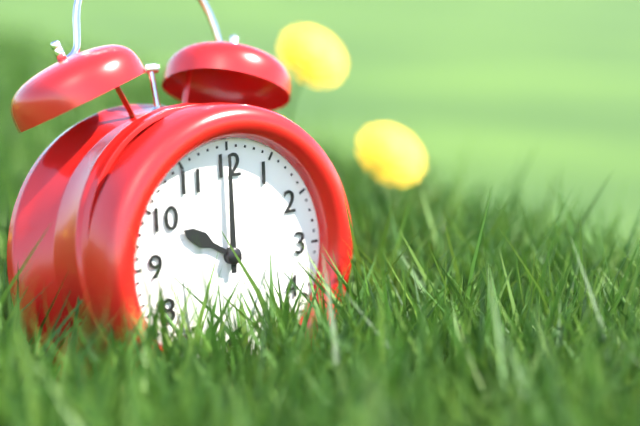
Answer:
10:00
